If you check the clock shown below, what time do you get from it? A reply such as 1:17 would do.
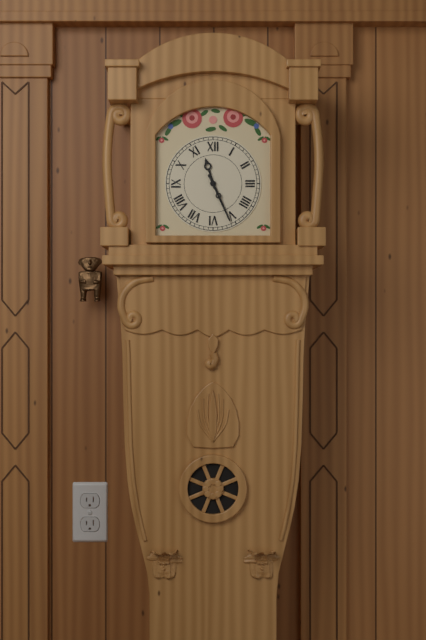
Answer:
11:26
